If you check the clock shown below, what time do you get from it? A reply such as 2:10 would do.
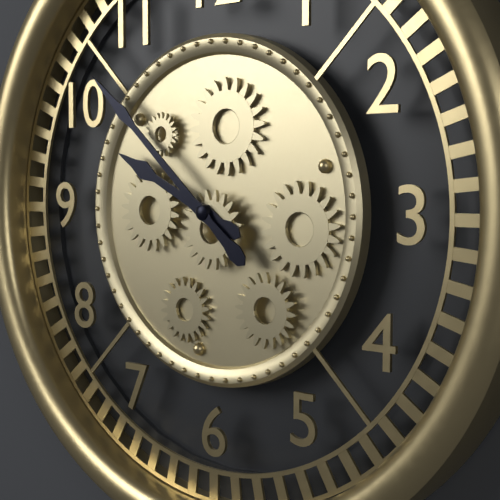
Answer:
9:52
